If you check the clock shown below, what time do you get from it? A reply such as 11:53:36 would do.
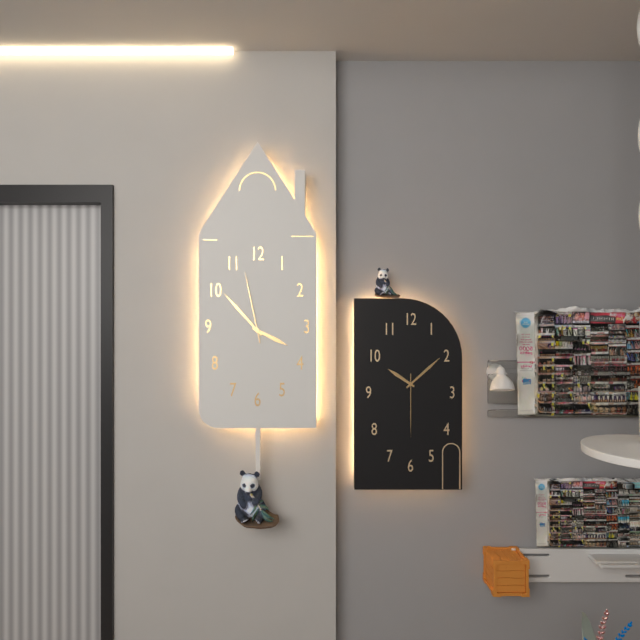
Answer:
3:53:58
